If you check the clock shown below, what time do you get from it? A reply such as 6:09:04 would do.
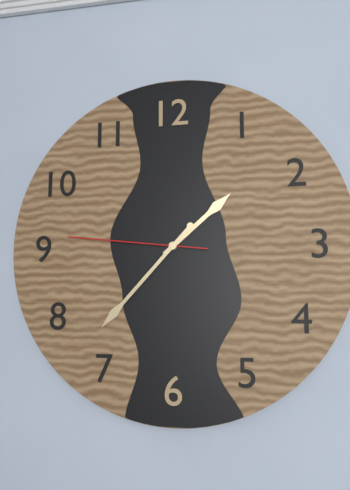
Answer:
1:37:46
